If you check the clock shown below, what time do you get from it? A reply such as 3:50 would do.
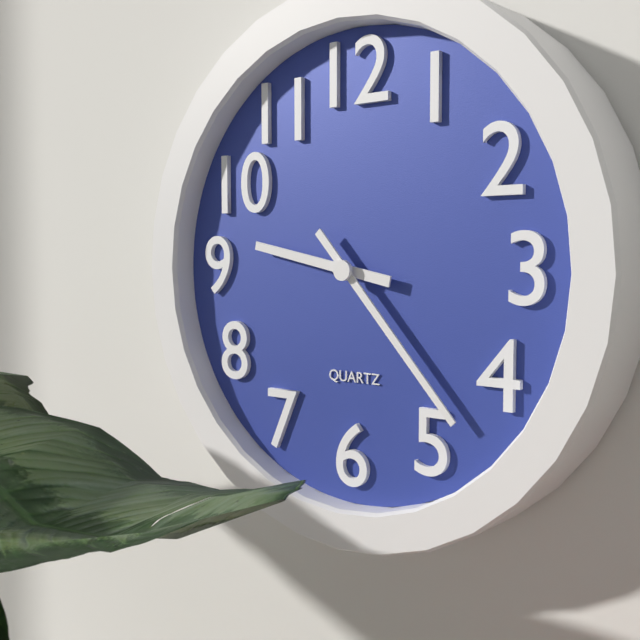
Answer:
9:23
